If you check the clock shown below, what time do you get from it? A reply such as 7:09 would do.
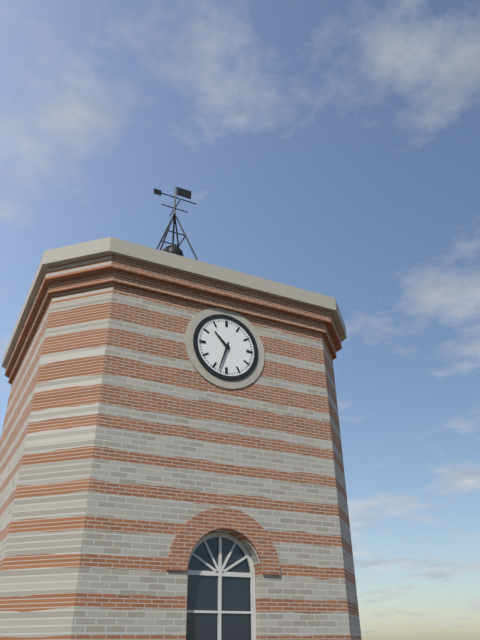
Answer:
10:33
